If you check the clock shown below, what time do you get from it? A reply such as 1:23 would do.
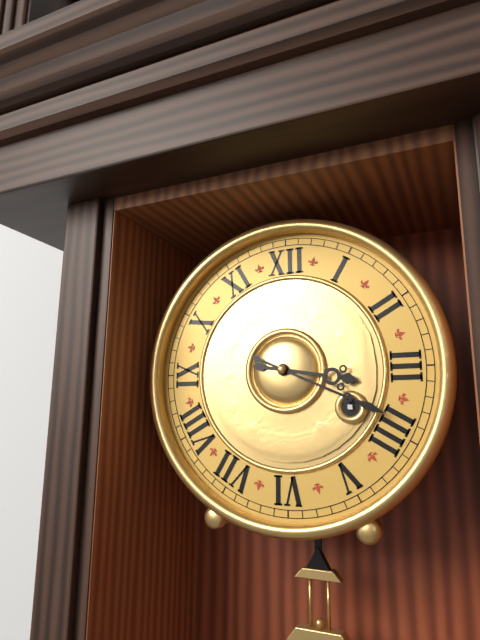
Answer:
3:19
